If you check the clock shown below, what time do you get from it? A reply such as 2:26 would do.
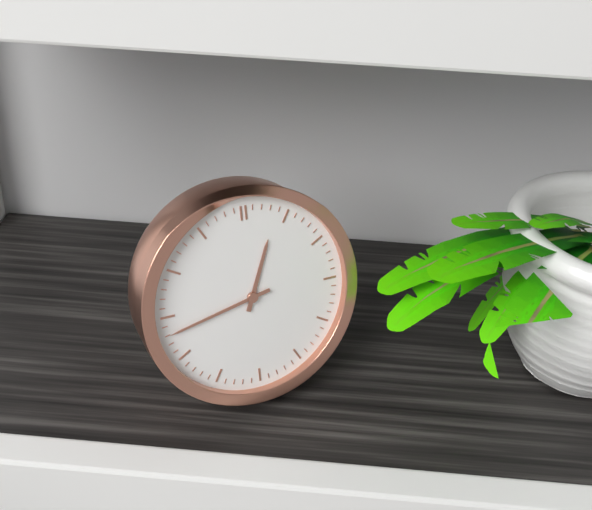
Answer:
12:43
